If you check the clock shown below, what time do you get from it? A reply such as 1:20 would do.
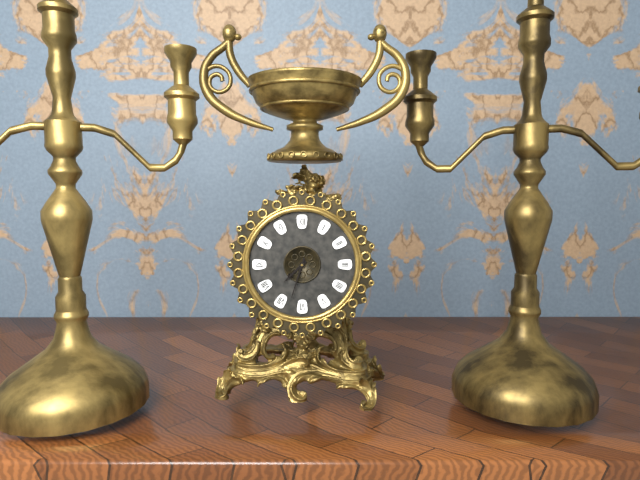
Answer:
7:33
